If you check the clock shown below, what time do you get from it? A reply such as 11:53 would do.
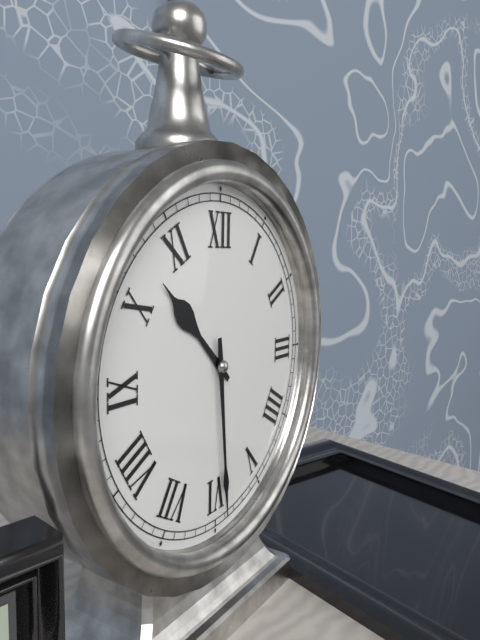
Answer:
10:29
